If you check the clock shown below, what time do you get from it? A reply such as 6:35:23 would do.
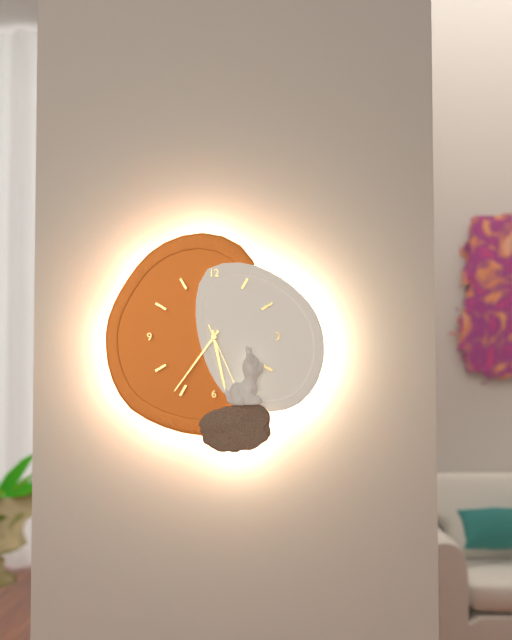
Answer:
5:36:26
